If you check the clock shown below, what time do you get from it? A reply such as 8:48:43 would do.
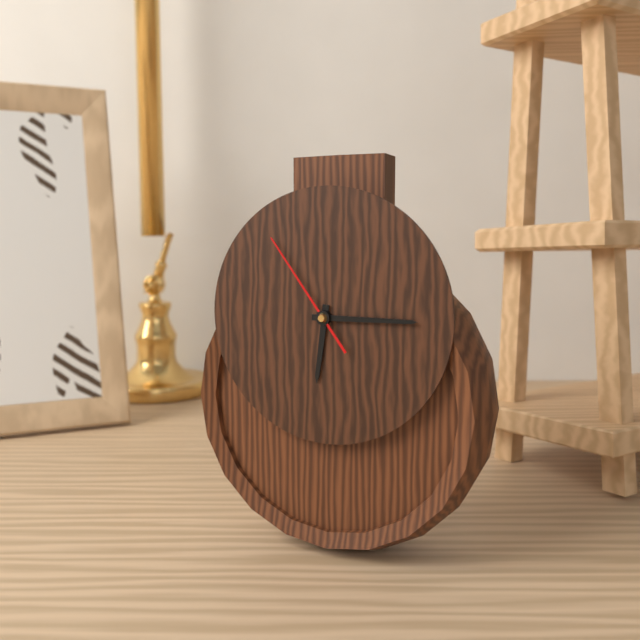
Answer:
6:15:54
